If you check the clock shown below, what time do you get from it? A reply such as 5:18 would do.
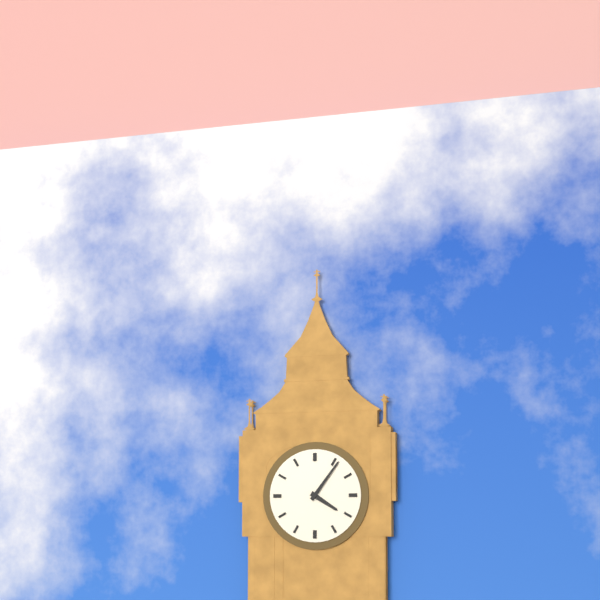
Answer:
4:06
